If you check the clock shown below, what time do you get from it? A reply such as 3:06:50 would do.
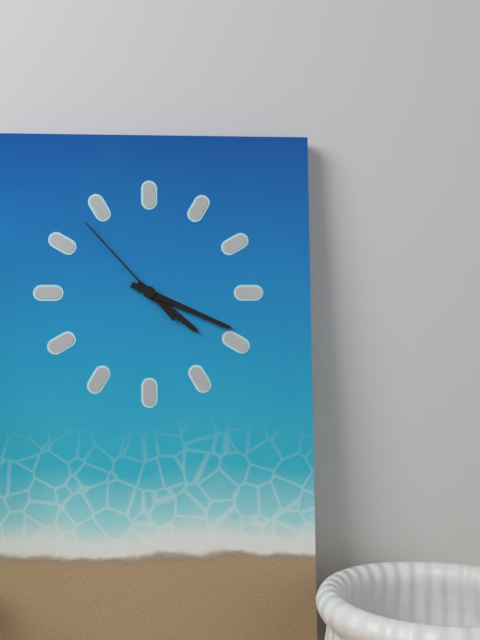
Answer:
4:19:53
